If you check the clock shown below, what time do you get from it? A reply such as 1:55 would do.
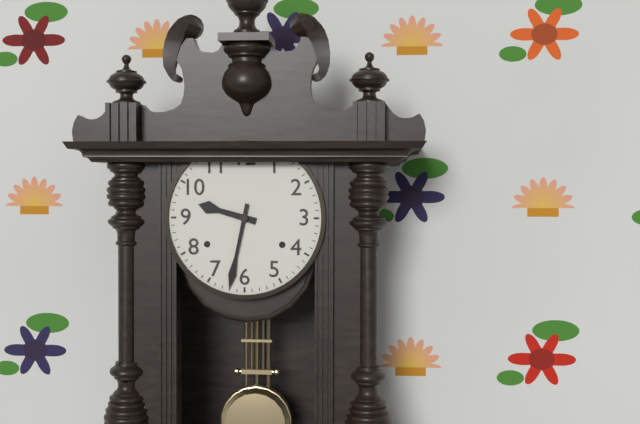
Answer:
9:32
